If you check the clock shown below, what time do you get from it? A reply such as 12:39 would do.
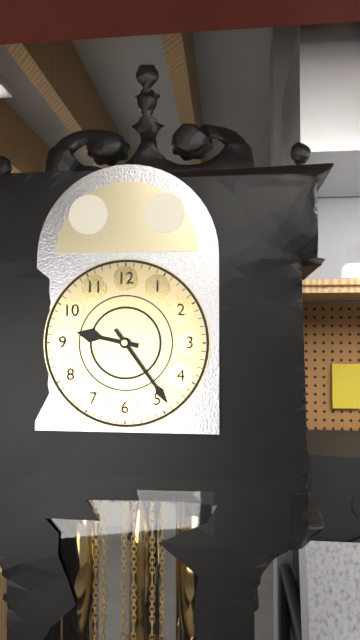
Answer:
9:24
